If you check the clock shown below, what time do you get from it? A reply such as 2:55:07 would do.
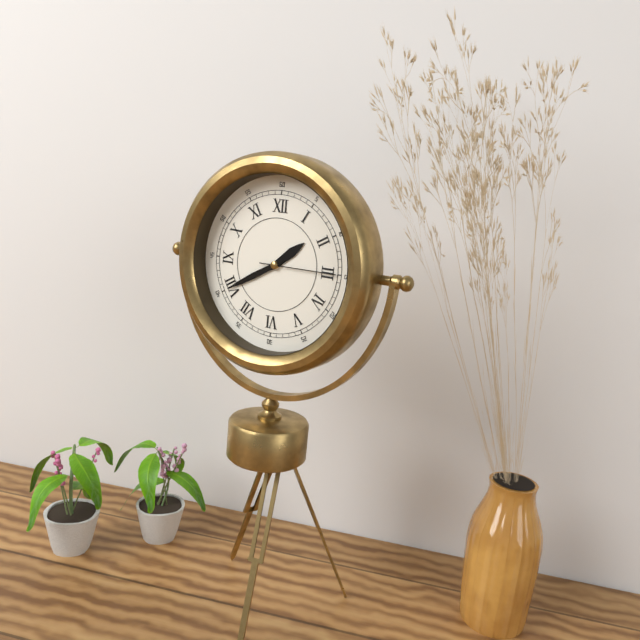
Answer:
1:40:15
